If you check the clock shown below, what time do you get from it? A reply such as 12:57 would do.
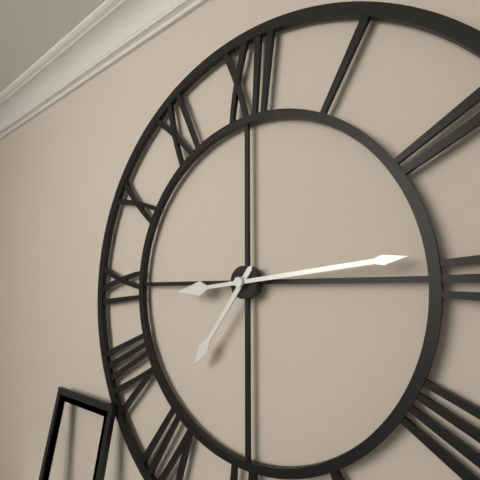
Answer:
7:14
